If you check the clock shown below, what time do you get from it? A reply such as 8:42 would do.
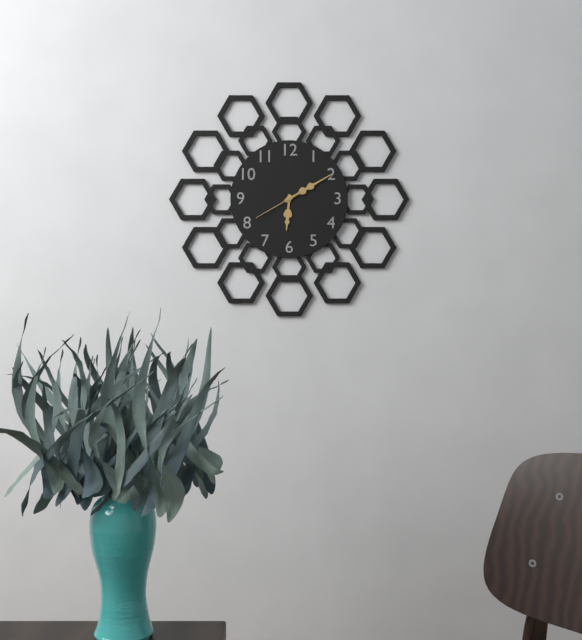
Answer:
6:10
